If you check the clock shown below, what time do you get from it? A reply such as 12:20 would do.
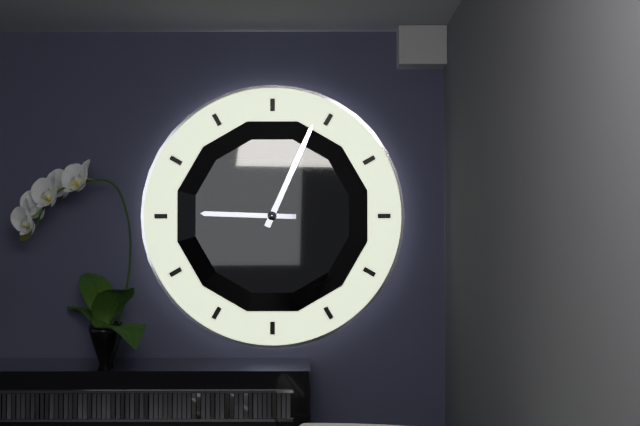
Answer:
9:04
